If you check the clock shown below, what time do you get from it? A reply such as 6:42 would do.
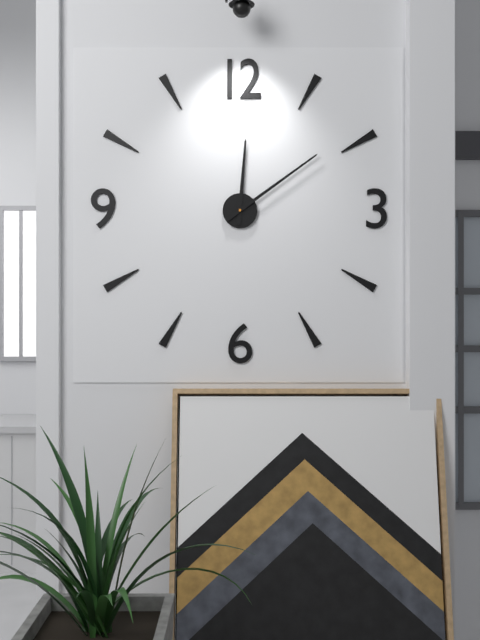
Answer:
12:09
